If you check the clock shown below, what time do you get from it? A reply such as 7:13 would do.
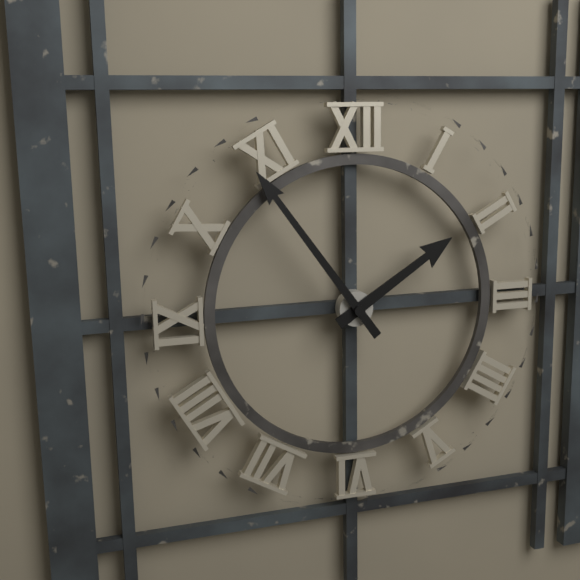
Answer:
1:54
